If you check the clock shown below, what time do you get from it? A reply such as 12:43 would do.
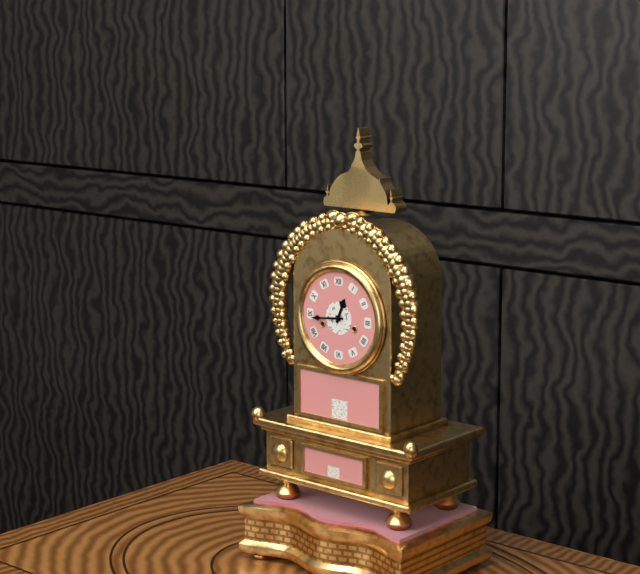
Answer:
12:44
